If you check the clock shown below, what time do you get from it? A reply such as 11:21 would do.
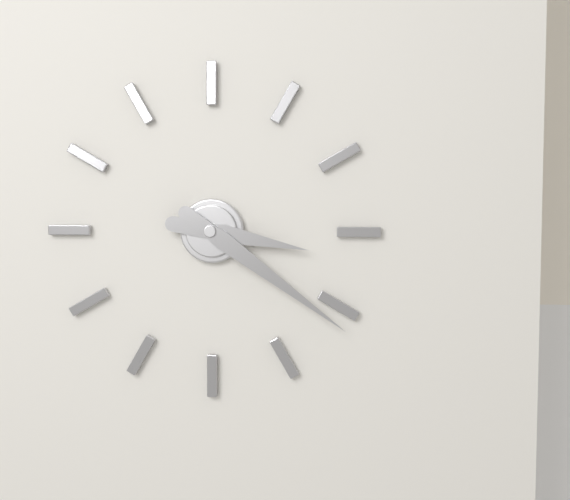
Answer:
3:21
